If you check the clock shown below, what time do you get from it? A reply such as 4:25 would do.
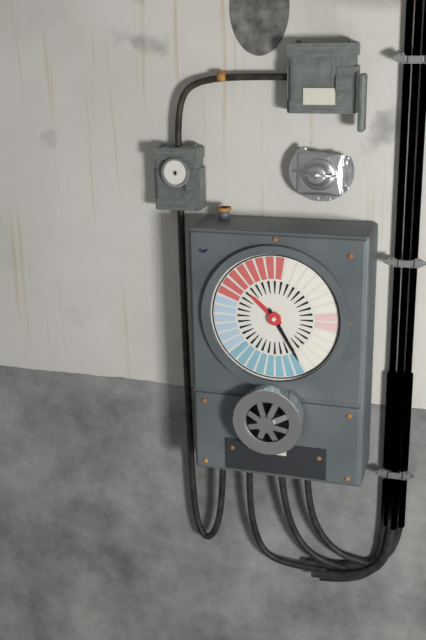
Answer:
10:25
